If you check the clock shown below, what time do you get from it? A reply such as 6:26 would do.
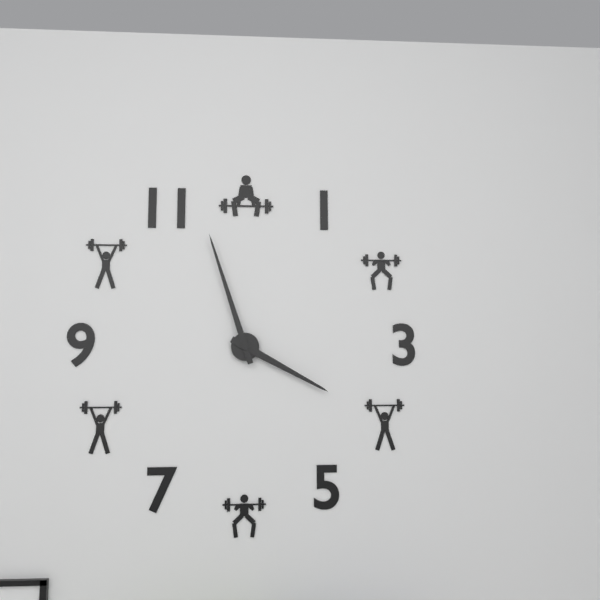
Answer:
3:57
